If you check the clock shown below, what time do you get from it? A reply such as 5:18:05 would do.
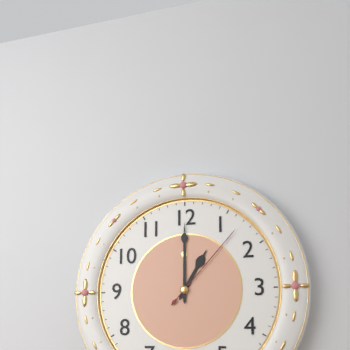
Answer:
1:00:07
